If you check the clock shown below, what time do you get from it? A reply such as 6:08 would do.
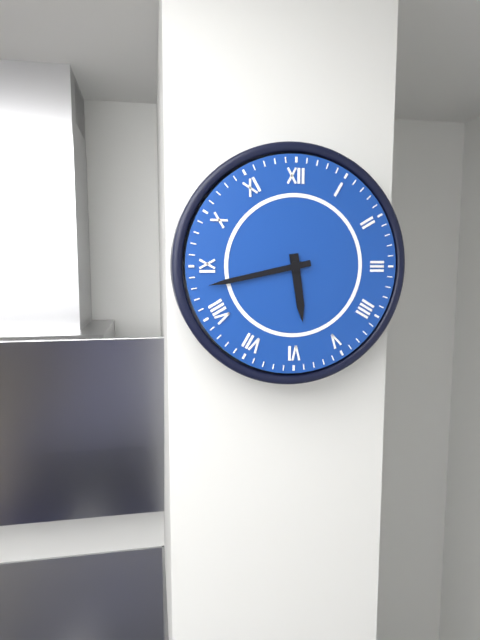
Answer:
5:43
